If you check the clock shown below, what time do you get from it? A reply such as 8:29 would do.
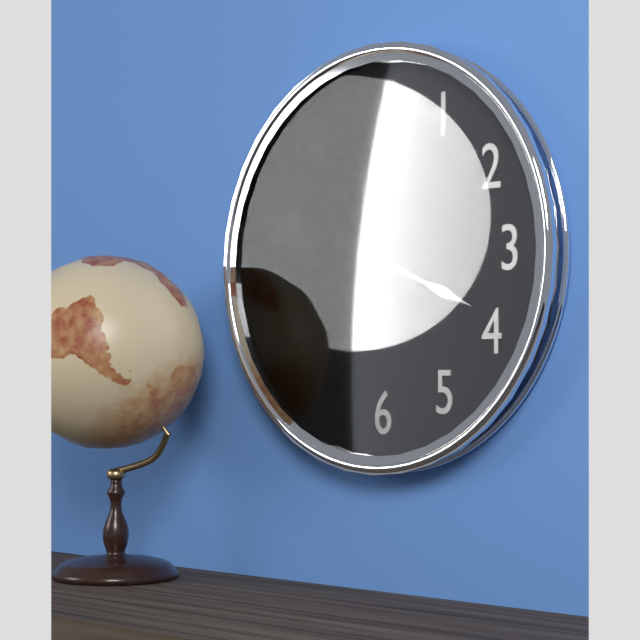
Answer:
12:19
